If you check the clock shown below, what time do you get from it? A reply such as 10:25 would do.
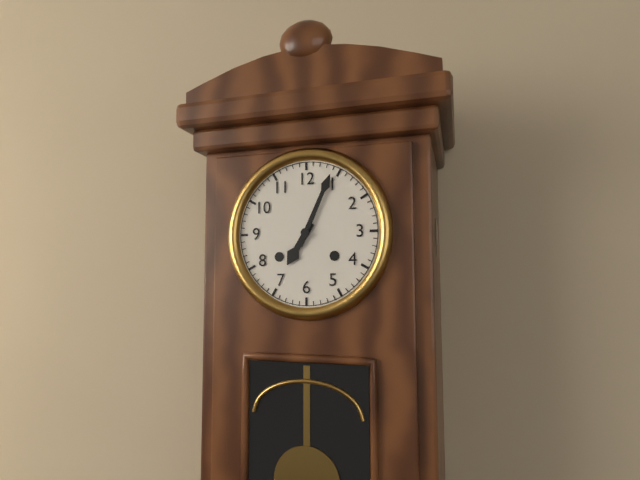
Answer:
7:04
